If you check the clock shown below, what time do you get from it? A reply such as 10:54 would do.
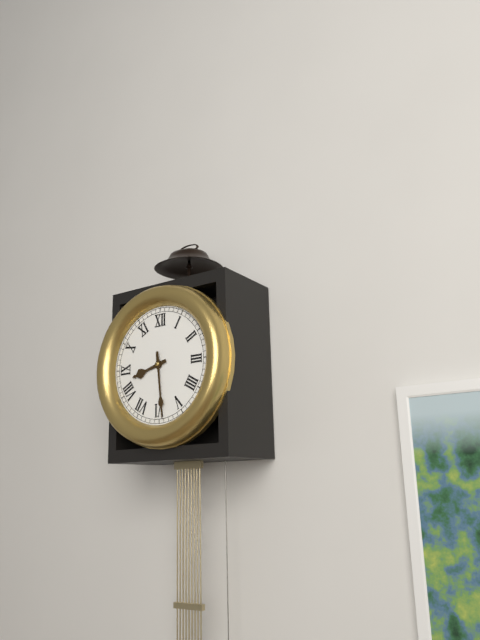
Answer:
8:29
